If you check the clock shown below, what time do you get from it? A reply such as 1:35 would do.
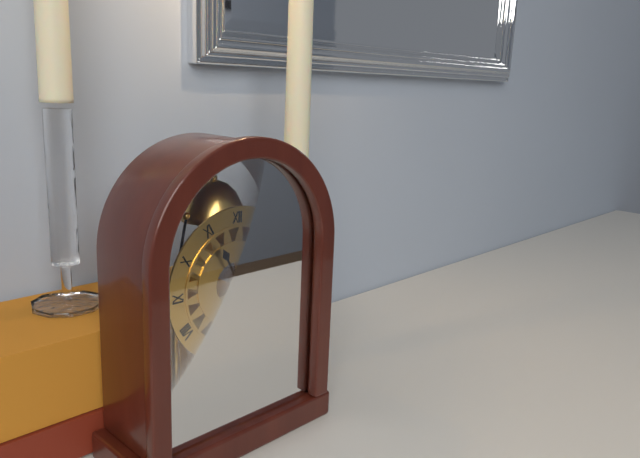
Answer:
11:10
